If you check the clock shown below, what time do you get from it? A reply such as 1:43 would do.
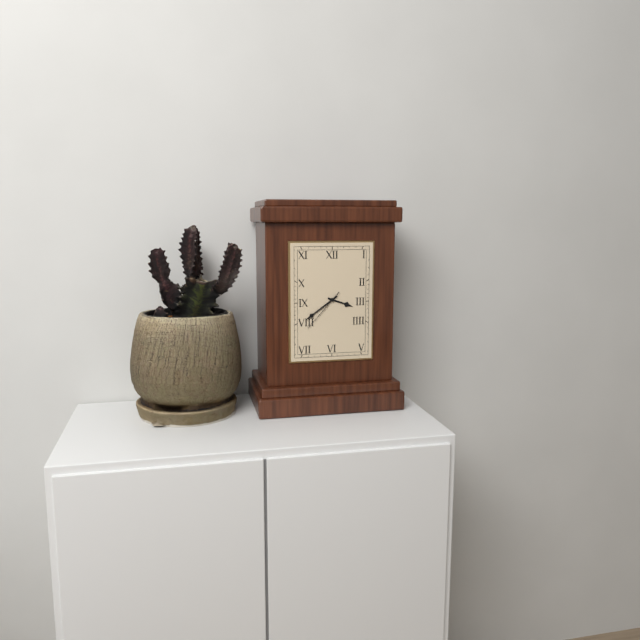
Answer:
3:39
